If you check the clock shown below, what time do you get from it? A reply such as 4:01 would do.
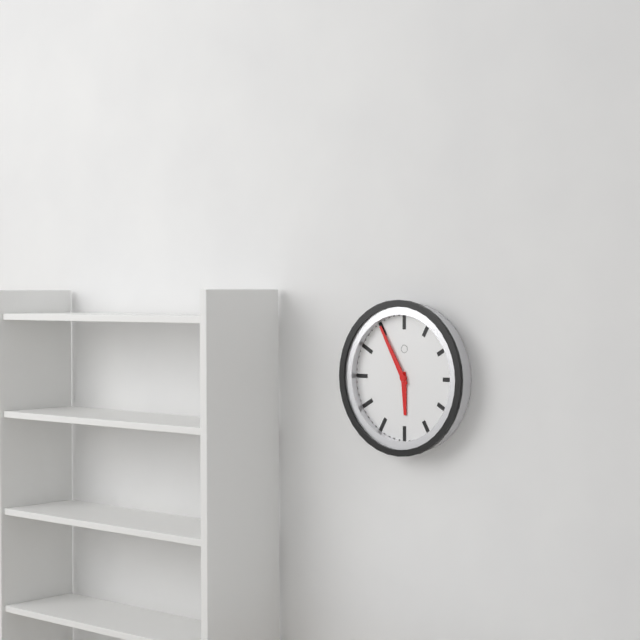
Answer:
5:55
